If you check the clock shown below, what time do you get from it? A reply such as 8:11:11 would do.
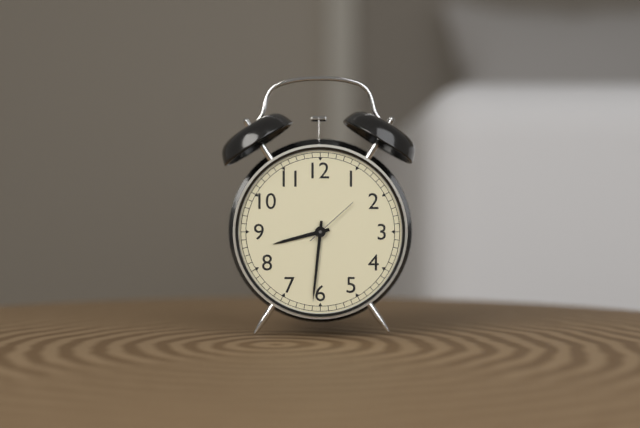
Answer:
8:31:08
